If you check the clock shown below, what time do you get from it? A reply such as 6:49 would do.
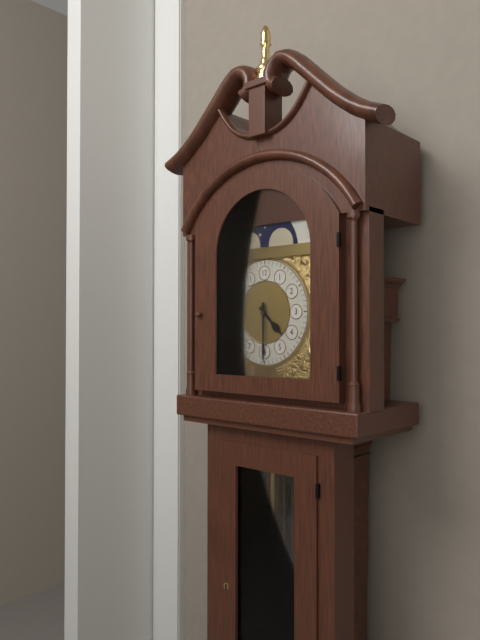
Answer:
4:30
